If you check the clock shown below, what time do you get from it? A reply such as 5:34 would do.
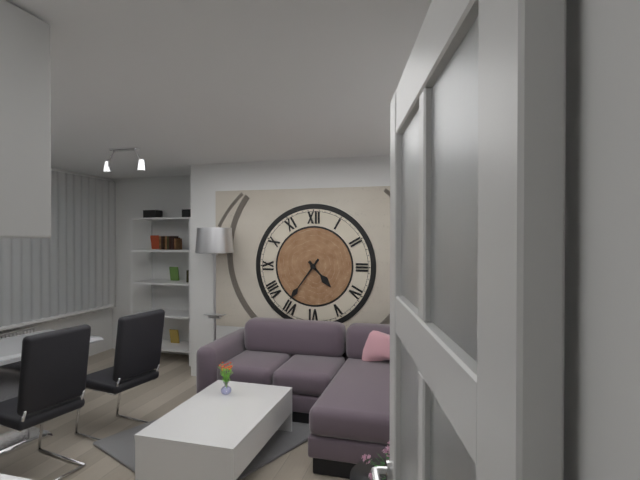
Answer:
4:36
